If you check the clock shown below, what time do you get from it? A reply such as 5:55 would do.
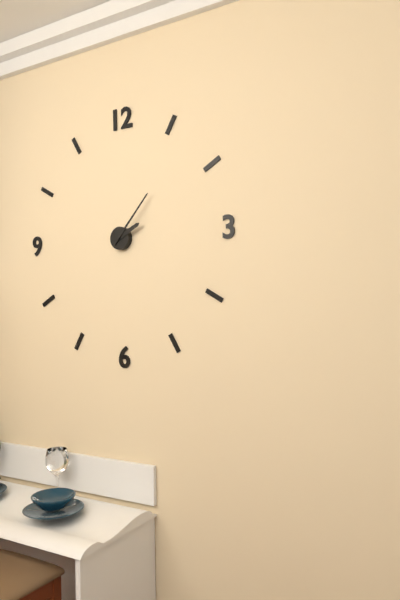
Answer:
2:07
